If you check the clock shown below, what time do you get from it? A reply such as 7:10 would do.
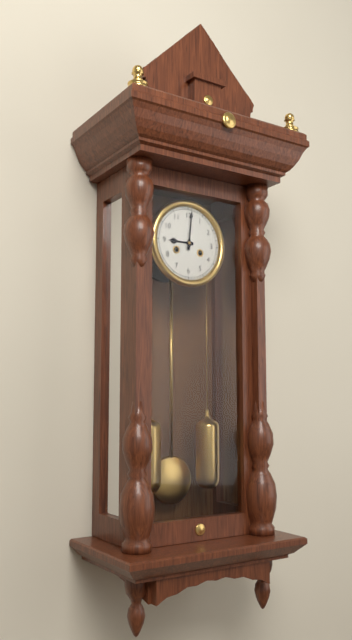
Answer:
9:01
